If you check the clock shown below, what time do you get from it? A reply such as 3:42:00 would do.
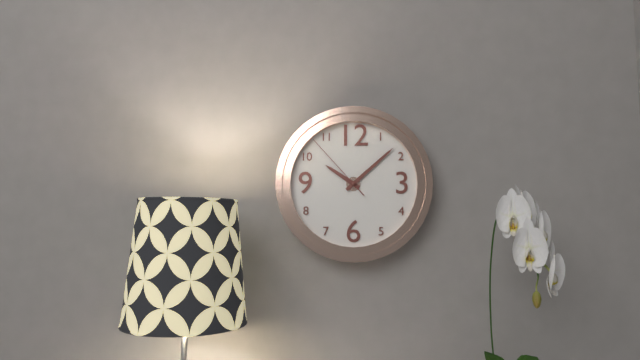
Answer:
10:08:53
